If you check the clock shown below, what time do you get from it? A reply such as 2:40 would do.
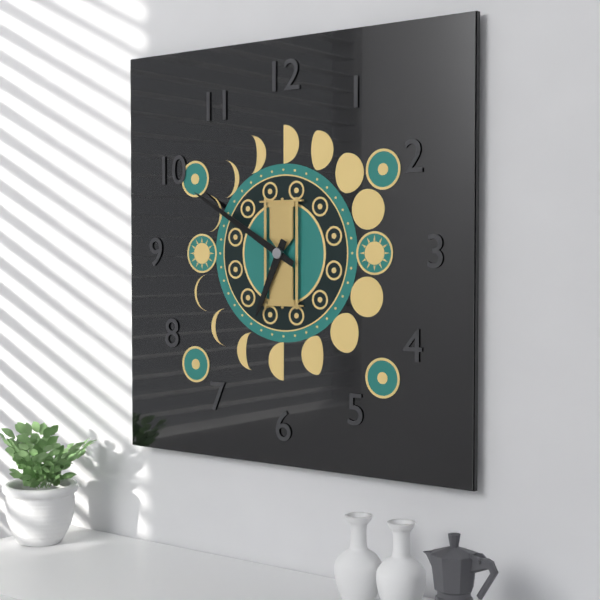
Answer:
6:50
